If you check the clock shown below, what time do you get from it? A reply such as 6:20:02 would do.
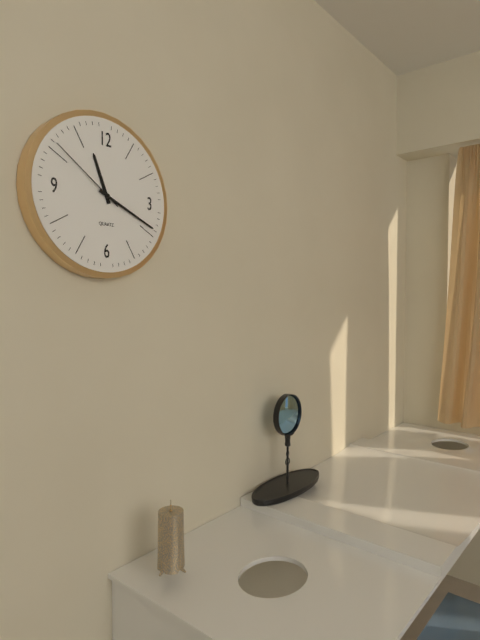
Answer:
11:19:51
